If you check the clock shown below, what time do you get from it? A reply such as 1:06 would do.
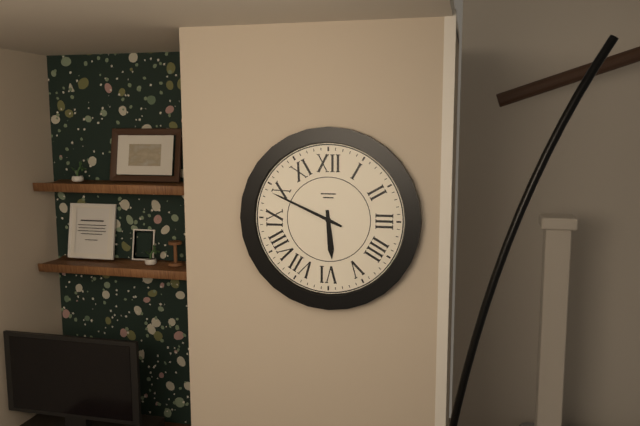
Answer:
5:49
